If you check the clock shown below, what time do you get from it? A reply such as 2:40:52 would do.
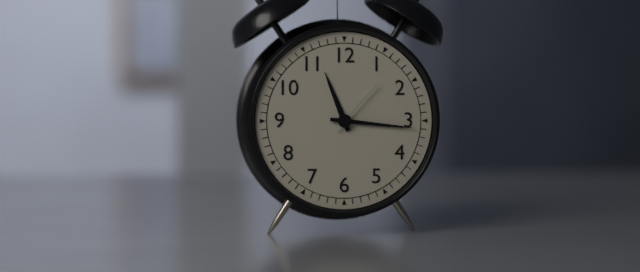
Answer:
11:16:07
